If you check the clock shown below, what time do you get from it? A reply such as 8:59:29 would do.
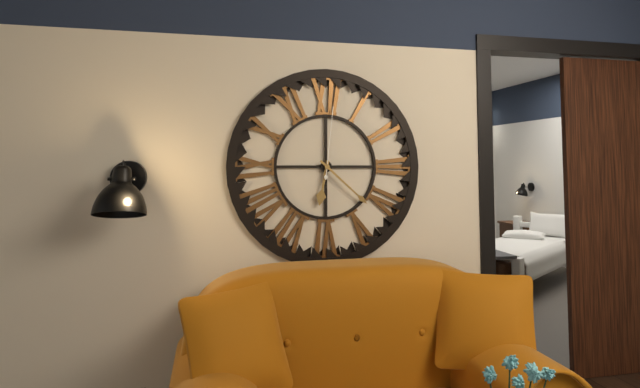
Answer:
6:22:01
